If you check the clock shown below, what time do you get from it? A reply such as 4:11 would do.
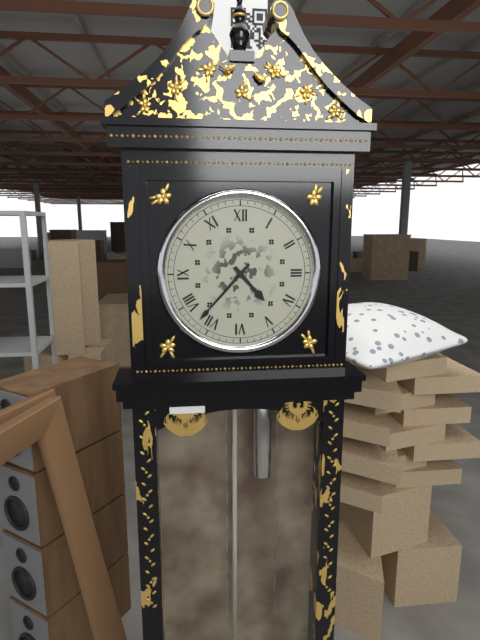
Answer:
4:37
